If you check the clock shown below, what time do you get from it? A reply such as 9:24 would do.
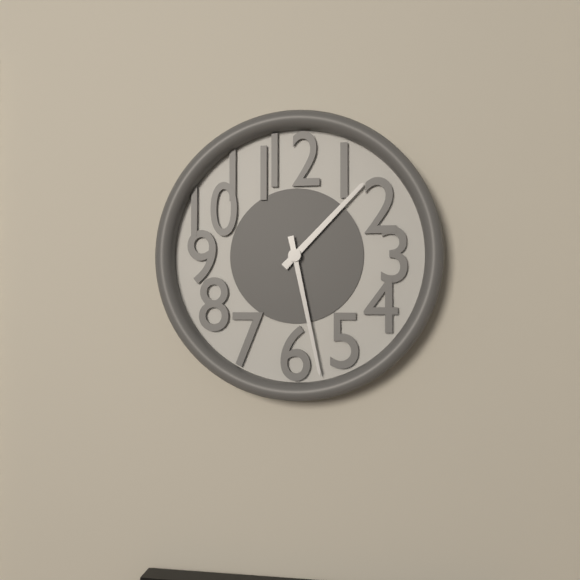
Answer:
1:28
